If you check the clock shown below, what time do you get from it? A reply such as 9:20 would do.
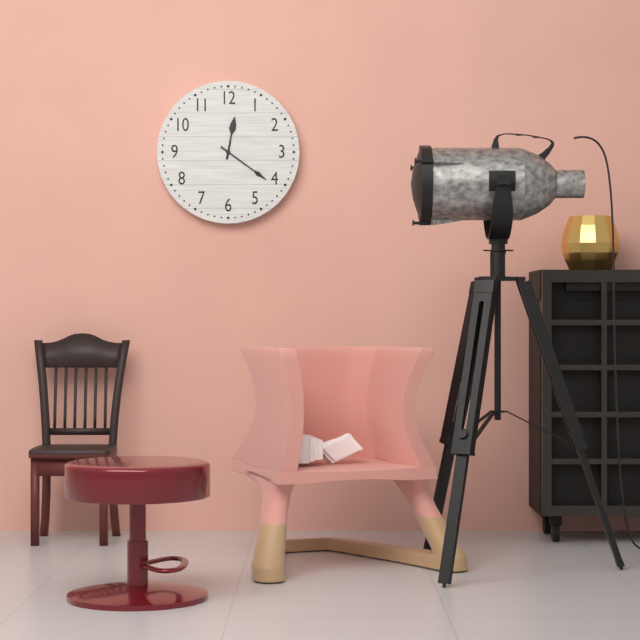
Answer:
12:21
